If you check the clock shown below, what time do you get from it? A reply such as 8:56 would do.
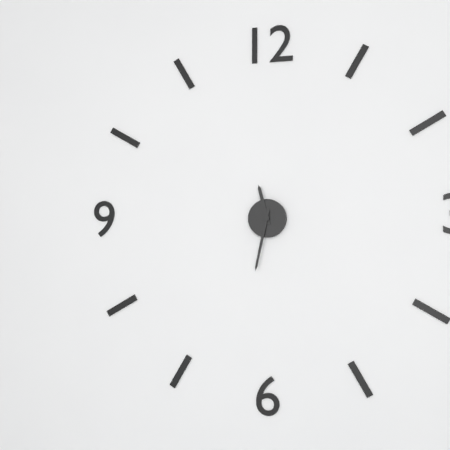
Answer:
11:32
